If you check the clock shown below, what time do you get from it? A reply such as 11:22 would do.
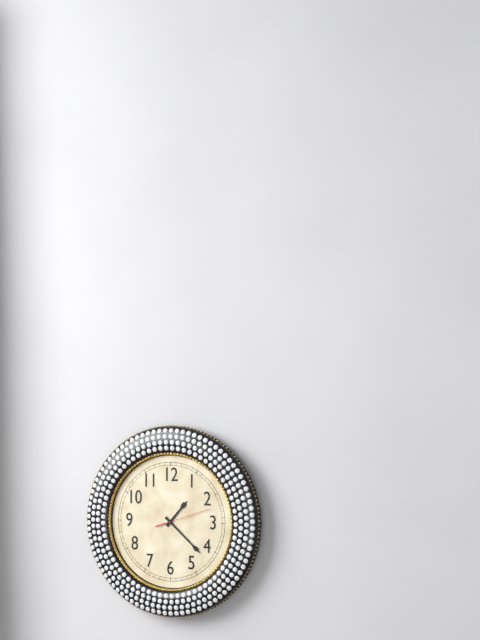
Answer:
1:22
